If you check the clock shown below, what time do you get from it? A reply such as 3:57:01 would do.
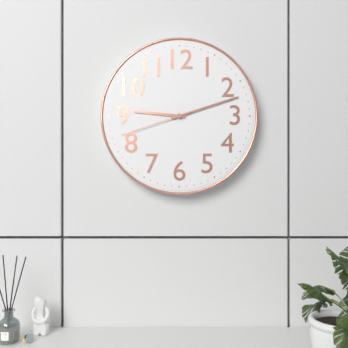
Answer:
9:12:42
